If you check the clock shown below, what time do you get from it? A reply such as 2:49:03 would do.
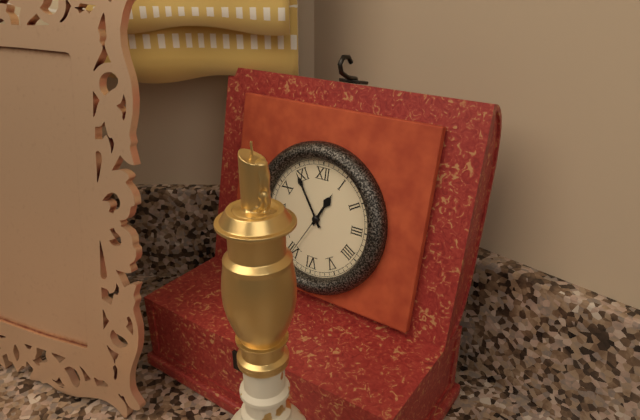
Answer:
12:54:35
